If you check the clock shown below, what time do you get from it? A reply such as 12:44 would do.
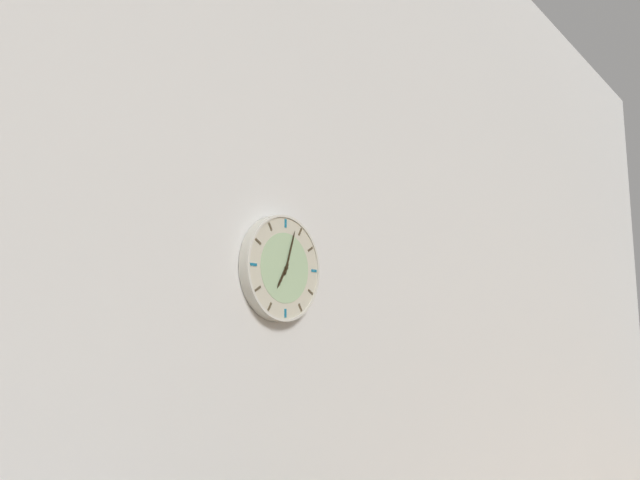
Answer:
7:03
